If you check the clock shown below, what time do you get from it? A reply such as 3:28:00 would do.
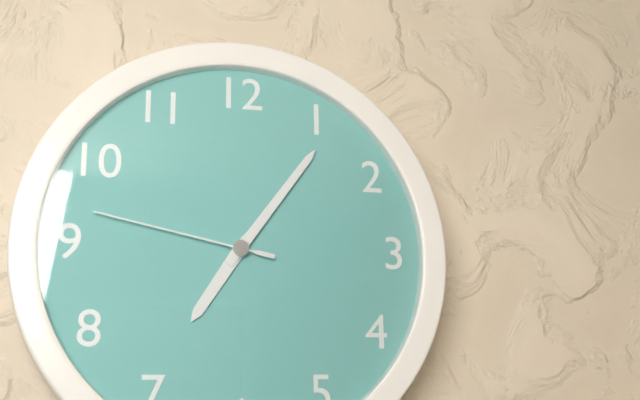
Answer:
7:06:47
